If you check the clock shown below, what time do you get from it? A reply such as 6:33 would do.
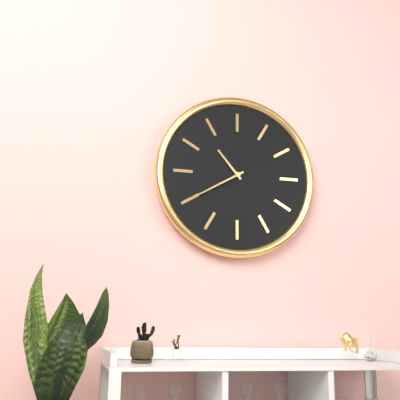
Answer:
10:40
